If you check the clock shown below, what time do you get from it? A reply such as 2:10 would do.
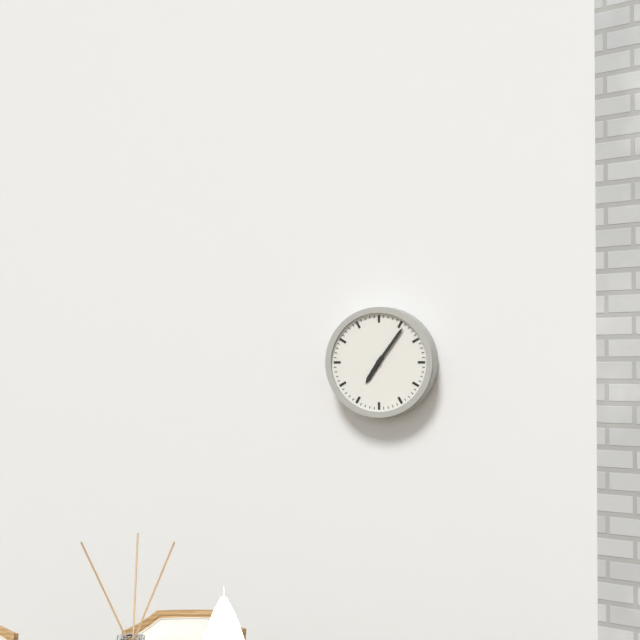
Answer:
7:06
